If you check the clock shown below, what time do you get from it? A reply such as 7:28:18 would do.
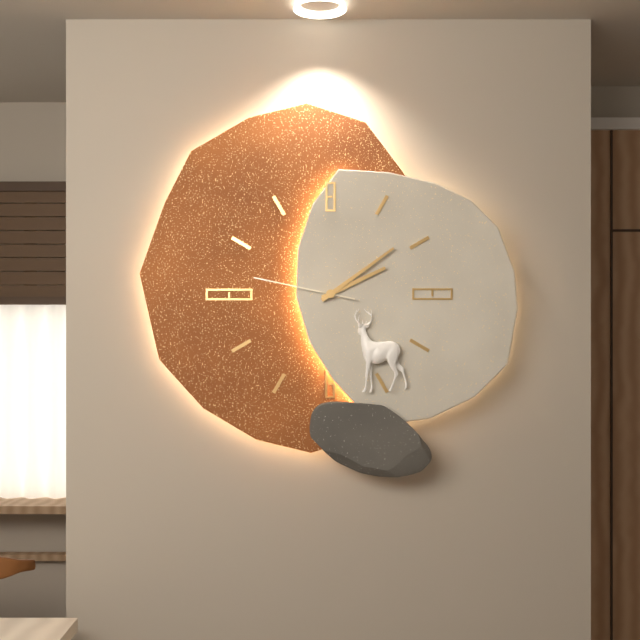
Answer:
2:09:47
